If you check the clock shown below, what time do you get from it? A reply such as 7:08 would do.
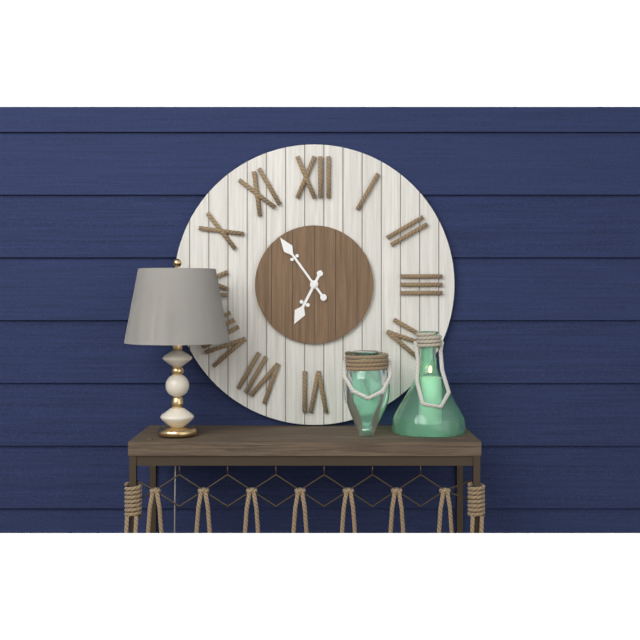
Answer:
6:54
